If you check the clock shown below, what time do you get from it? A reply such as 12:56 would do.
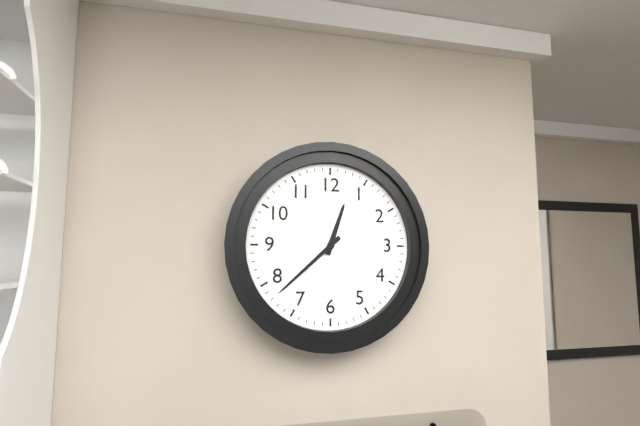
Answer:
12:38
